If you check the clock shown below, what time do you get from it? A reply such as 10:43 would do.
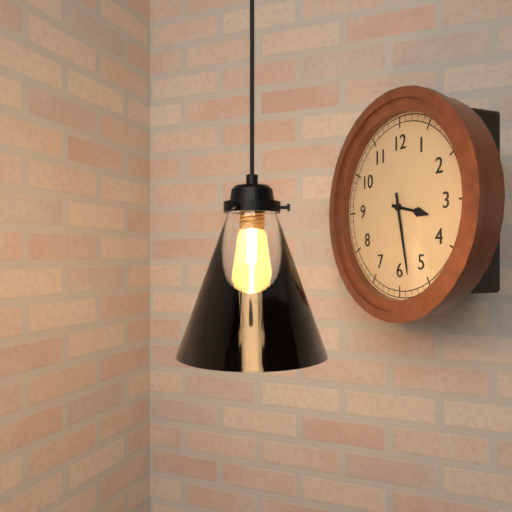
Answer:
3:28
